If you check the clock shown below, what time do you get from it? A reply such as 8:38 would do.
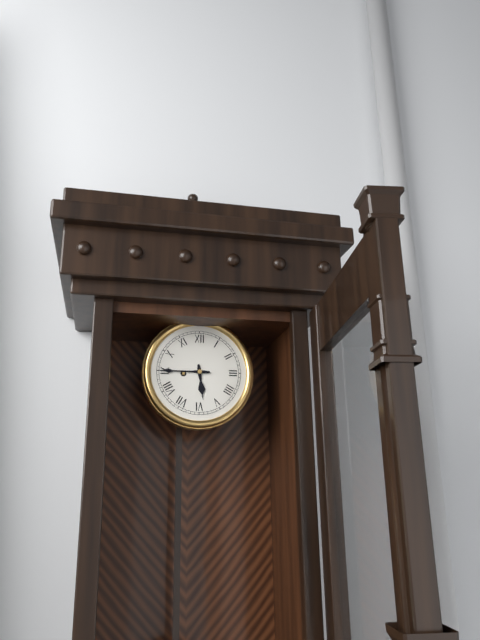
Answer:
5:45
